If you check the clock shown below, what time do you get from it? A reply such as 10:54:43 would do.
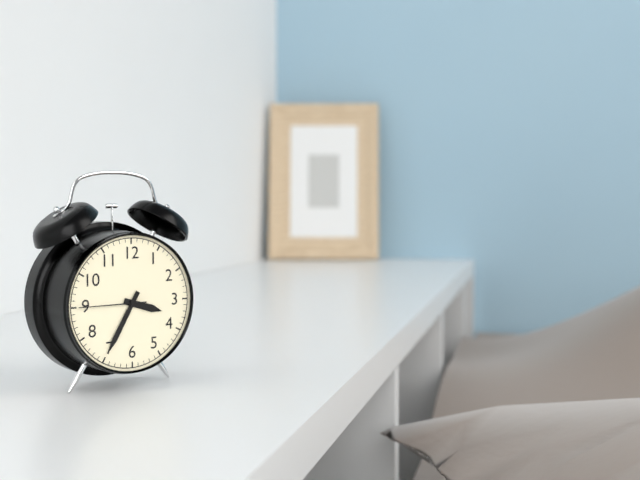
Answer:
3:35:45
